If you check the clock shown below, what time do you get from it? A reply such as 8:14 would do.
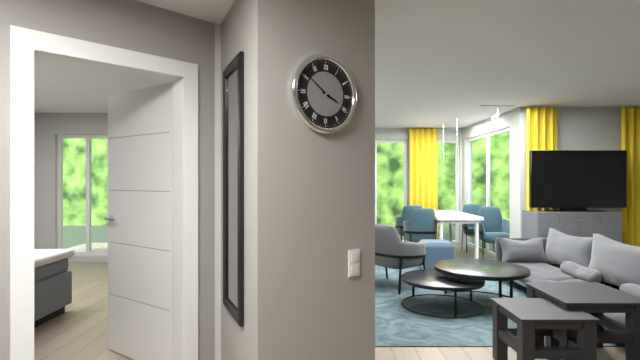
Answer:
3:51
